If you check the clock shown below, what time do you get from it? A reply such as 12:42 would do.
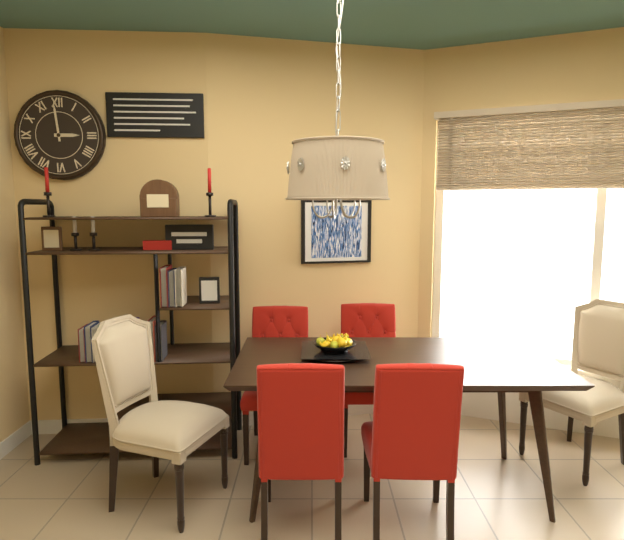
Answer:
2:59
